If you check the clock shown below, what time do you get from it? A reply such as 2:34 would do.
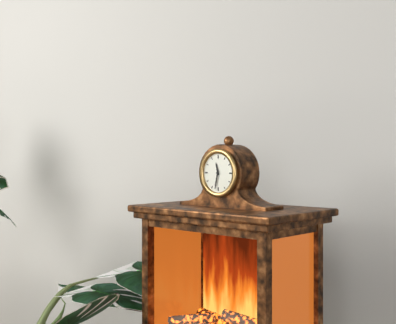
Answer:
11:32
